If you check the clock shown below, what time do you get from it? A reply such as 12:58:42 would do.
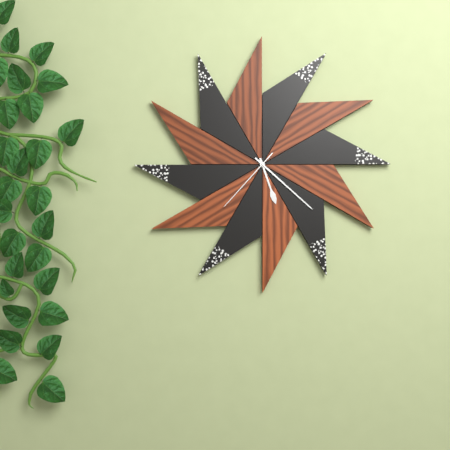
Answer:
5:22:37
